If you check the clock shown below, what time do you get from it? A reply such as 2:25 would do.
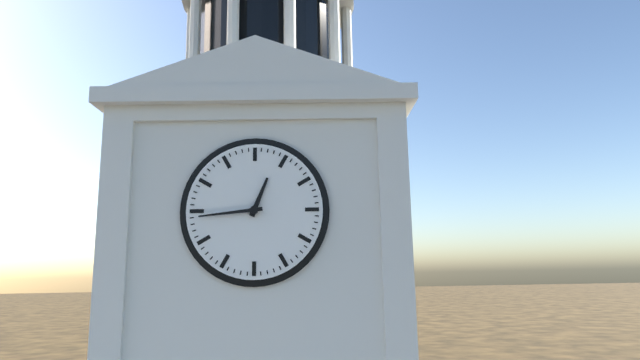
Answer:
12:44
